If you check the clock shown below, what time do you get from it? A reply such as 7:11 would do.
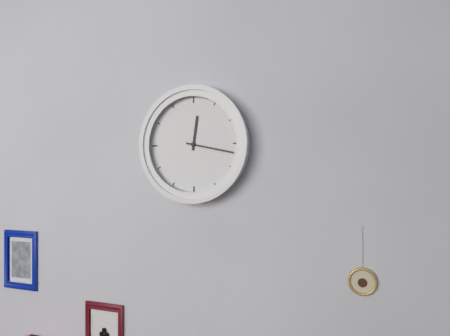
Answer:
12:17
